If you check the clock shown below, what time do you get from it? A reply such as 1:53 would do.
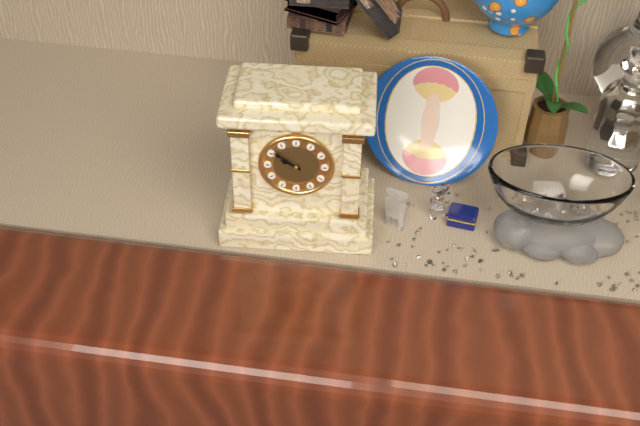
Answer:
9:51
